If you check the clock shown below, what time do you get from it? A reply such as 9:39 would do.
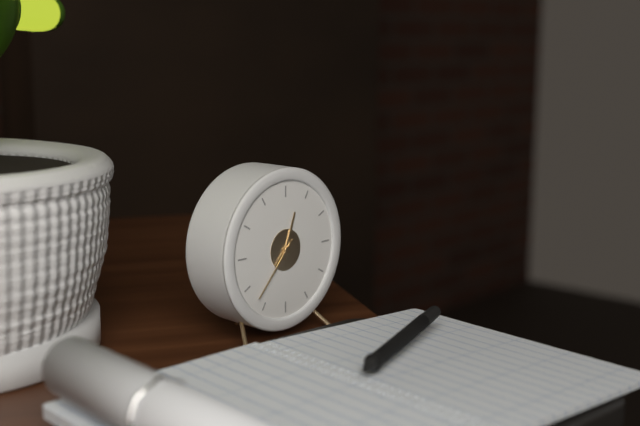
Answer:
12:37
